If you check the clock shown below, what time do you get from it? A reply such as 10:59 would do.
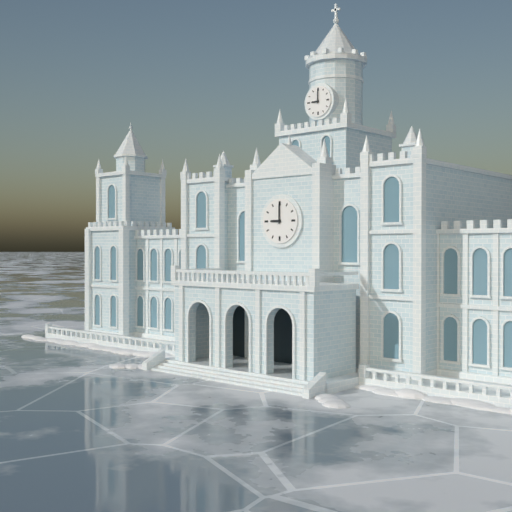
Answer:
9:00
